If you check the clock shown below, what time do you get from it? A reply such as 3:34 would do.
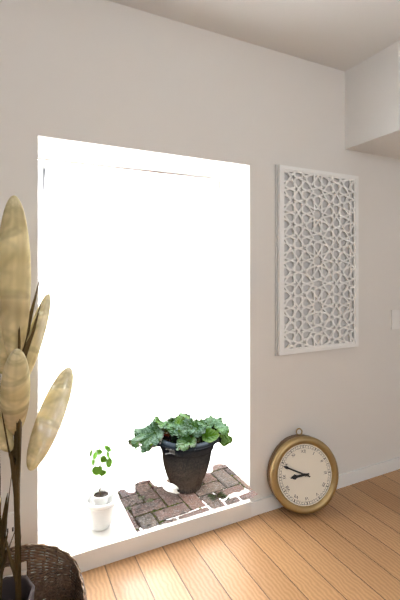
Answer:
8:49
